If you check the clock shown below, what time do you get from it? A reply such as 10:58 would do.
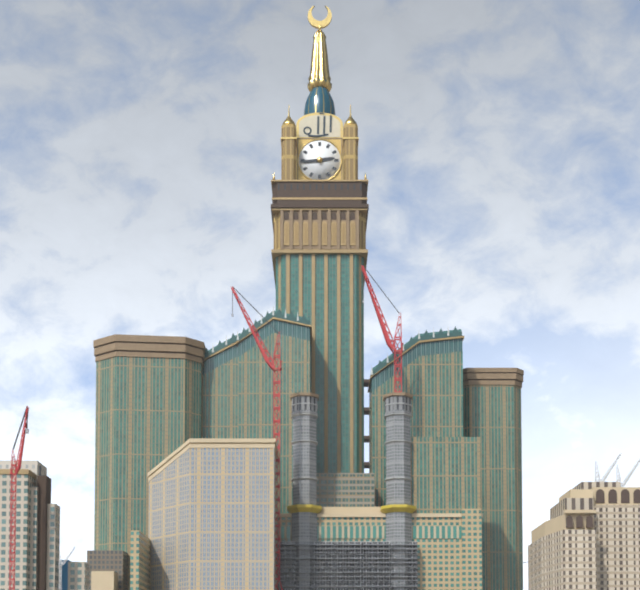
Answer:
2:44
